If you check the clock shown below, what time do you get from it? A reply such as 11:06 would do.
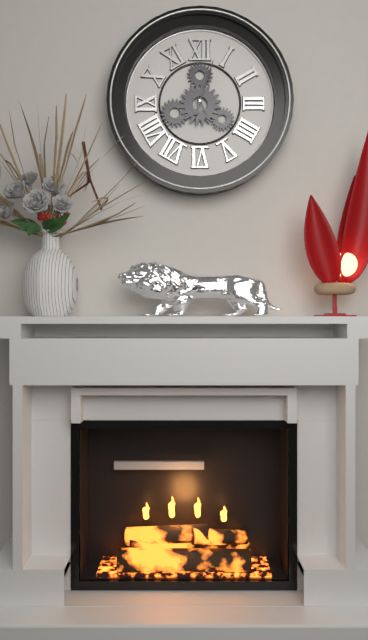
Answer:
5:03
